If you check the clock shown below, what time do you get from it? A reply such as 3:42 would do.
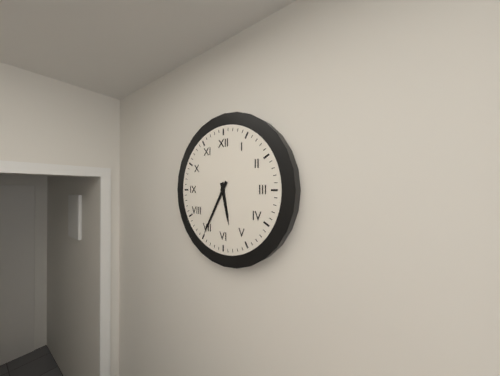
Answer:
5:35
